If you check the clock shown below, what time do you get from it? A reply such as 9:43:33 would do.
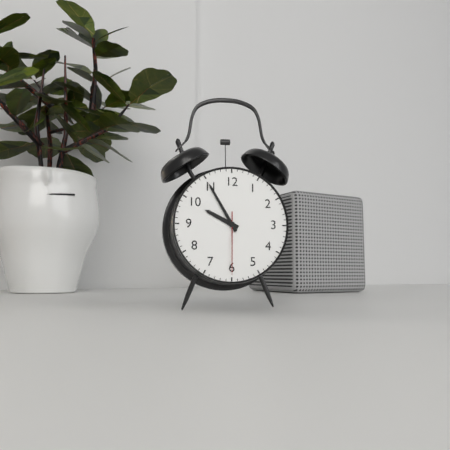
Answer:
9:55:30
